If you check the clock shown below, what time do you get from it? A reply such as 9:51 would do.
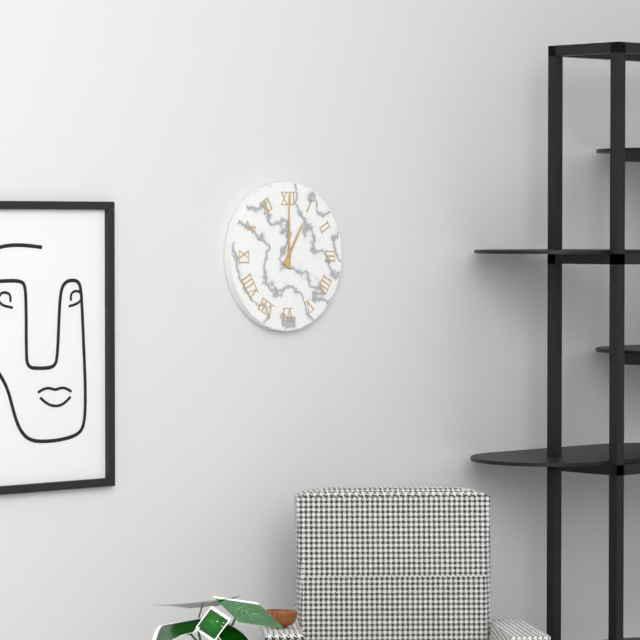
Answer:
1:00
